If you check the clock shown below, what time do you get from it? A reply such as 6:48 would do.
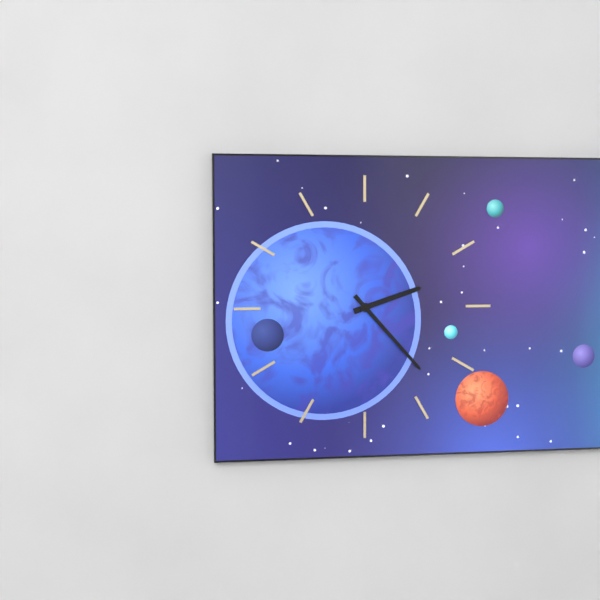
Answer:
2:23
